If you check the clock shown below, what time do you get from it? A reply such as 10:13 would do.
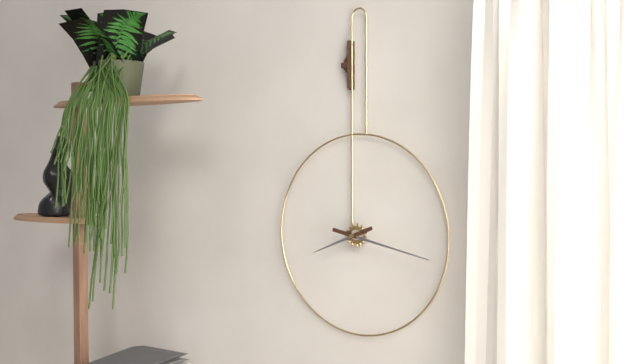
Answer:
8:17
